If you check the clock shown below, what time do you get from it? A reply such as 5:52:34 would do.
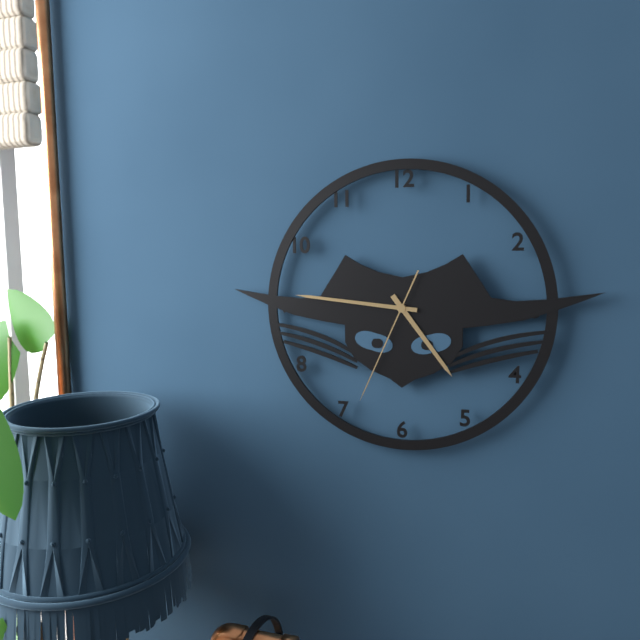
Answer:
4:46:34
